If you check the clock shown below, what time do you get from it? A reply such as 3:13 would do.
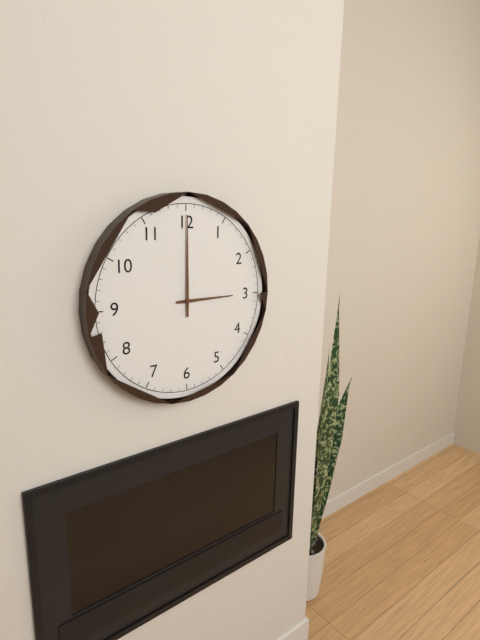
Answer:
3:00
